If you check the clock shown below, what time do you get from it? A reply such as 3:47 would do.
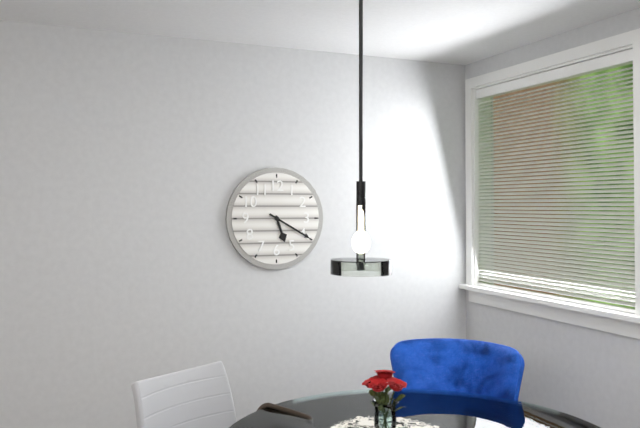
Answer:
5:20
